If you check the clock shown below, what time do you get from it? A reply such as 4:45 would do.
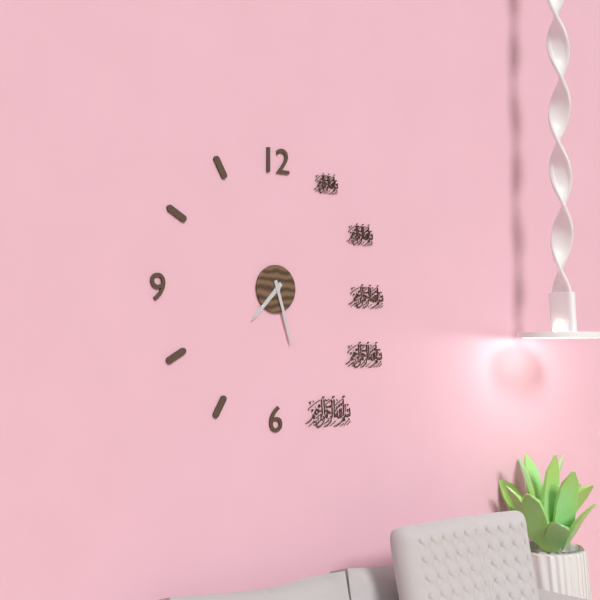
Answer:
7:27
